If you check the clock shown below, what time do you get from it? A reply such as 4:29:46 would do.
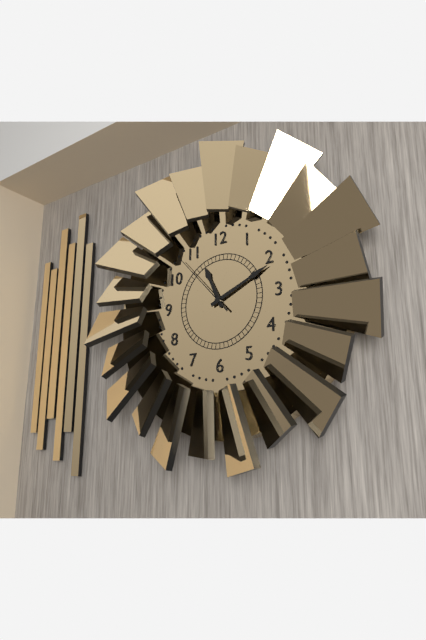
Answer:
11:11:53
